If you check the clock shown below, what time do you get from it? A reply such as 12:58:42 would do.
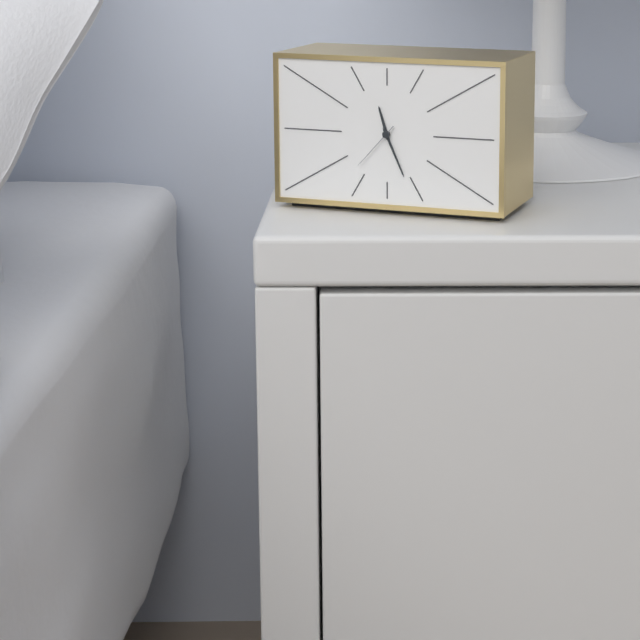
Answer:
11:26:37
